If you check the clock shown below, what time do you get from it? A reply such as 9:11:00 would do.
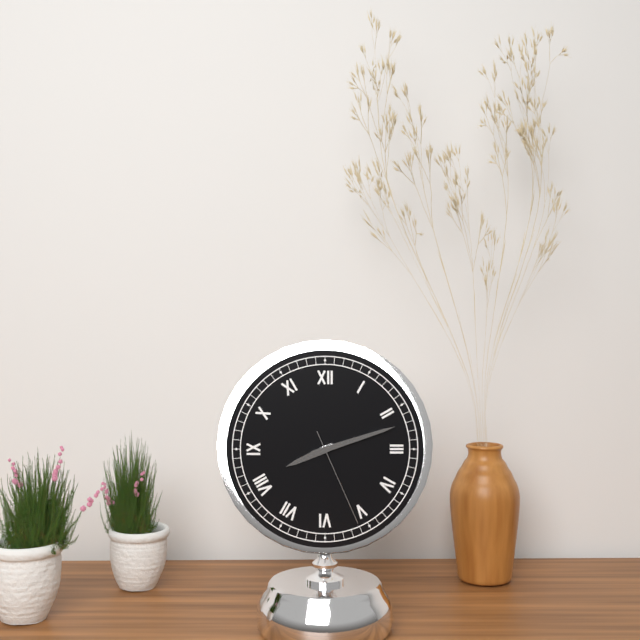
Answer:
8:12:26
